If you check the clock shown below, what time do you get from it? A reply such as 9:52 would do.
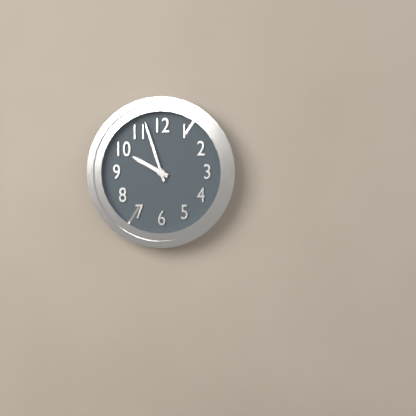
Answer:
9:57
